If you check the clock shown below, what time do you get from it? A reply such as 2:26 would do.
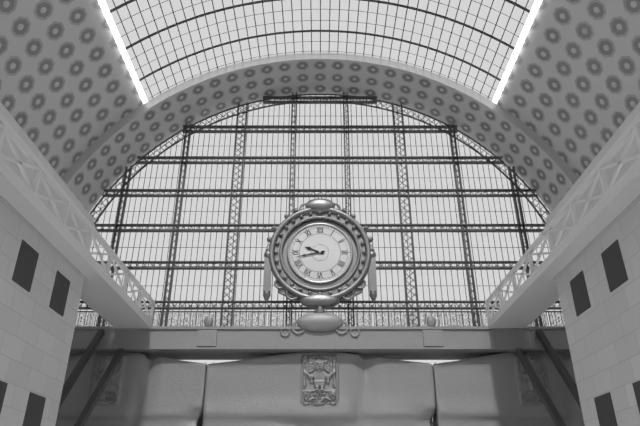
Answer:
9:43
